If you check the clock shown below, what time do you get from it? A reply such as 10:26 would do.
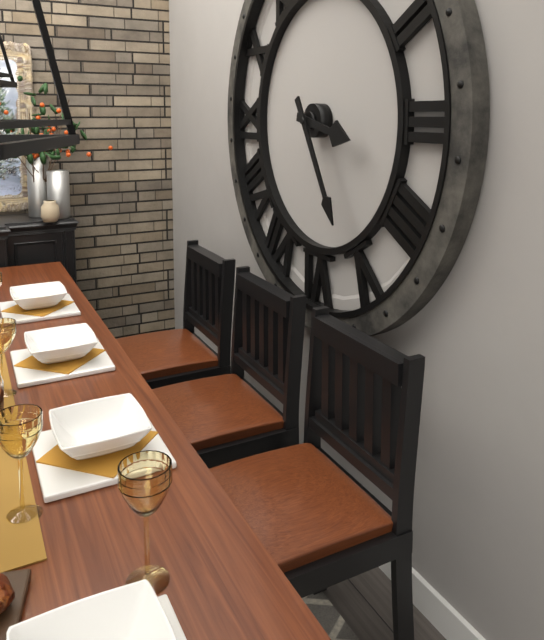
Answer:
3:25
